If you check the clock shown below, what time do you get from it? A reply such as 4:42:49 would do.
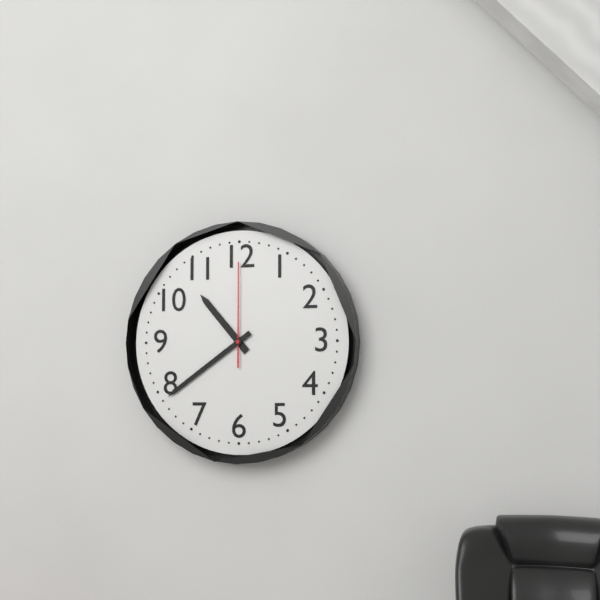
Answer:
10:39:00
